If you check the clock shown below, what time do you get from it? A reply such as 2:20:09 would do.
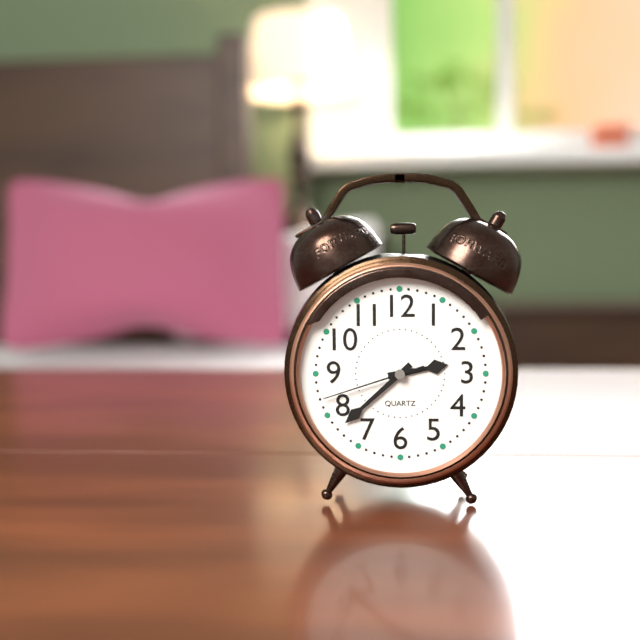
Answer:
2:38:42
